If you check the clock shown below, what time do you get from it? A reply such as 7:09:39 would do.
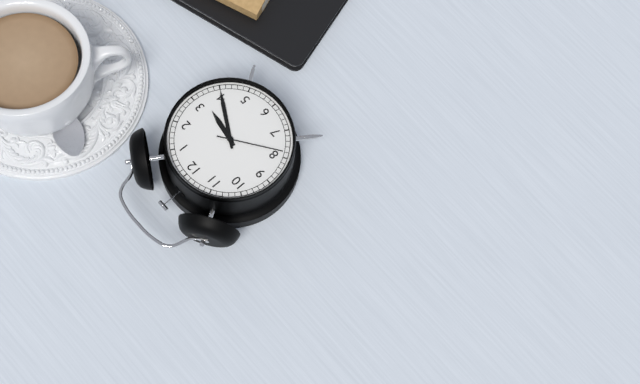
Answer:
3:20:39
